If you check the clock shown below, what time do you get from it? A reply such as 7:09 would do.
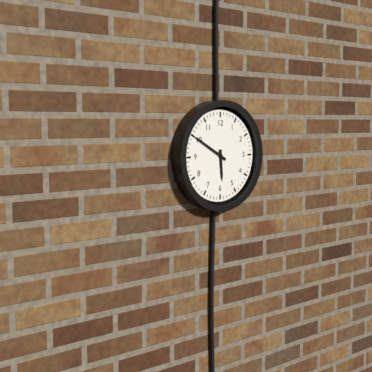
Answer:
5:50
